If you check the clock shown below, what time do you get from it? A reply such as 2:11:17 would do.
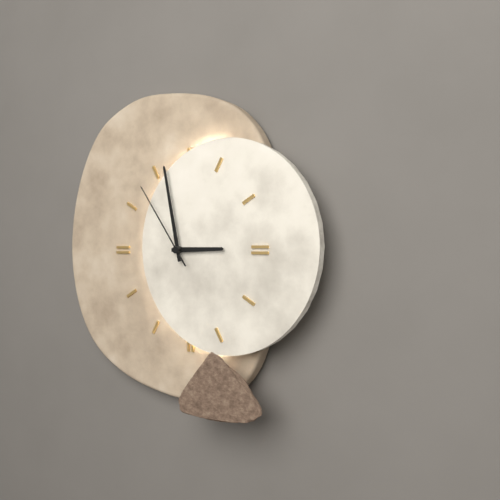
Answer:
2:58:54
